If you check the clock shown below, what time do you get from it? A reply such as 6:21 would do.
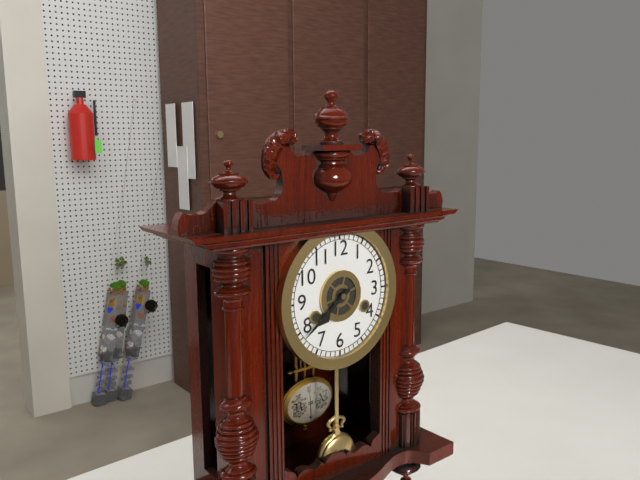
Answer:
7:39
